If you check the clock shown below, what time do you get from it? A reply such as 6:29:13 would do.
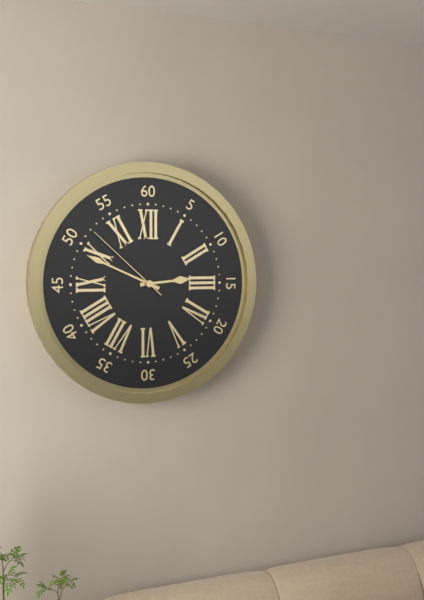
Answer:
2:49:52
